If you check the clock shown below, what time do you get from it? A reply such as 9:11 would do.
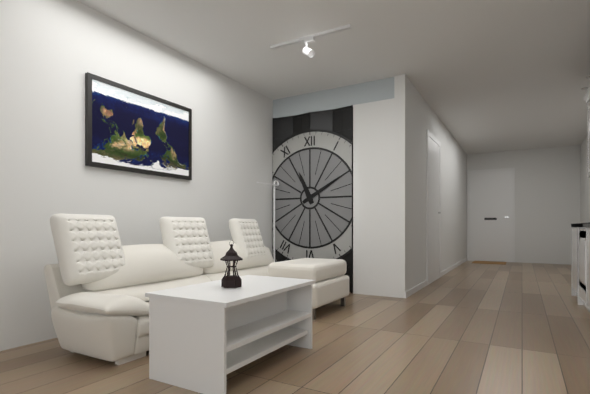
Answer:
11:10
